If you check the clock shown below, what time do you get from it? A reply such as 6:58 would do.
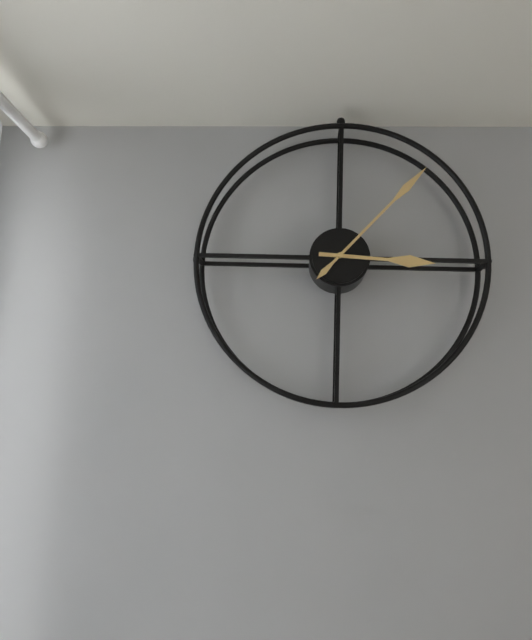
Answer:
3:07
